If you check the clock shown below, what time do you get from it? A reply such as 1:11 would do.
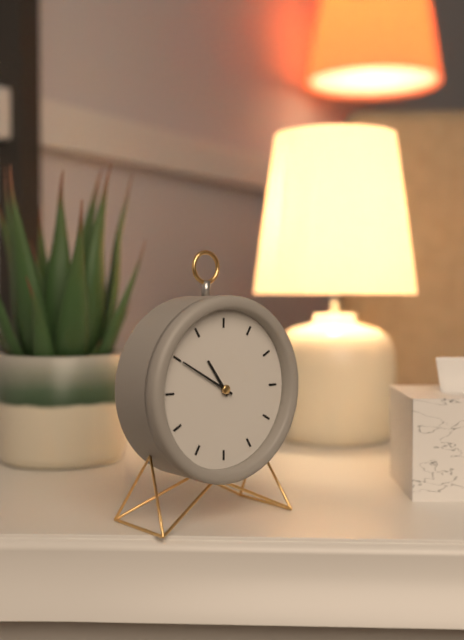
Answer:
10:50
